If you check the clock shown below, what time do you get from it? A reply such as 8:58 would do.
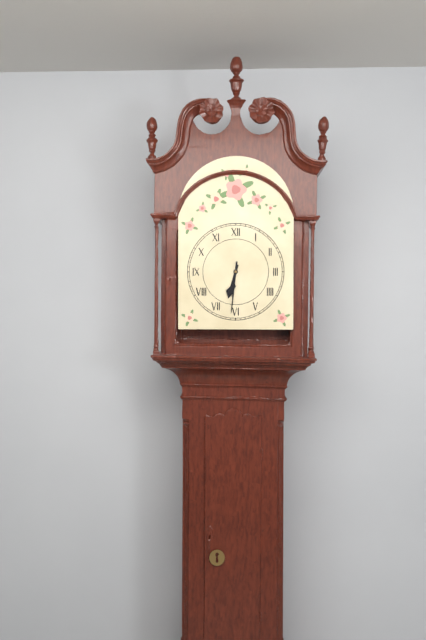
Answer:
6:31
